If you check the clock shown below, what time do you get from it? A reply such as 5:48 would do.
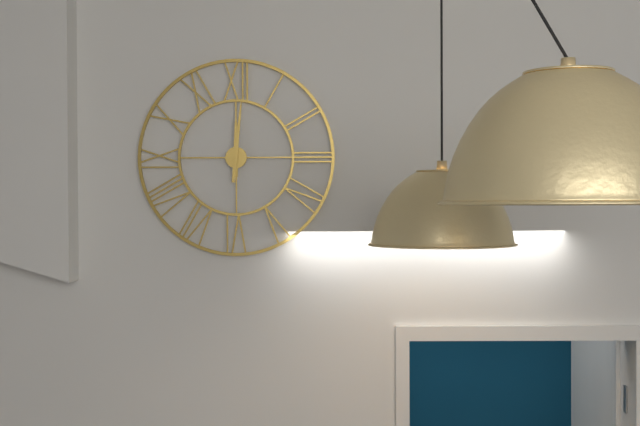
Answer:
12:01
